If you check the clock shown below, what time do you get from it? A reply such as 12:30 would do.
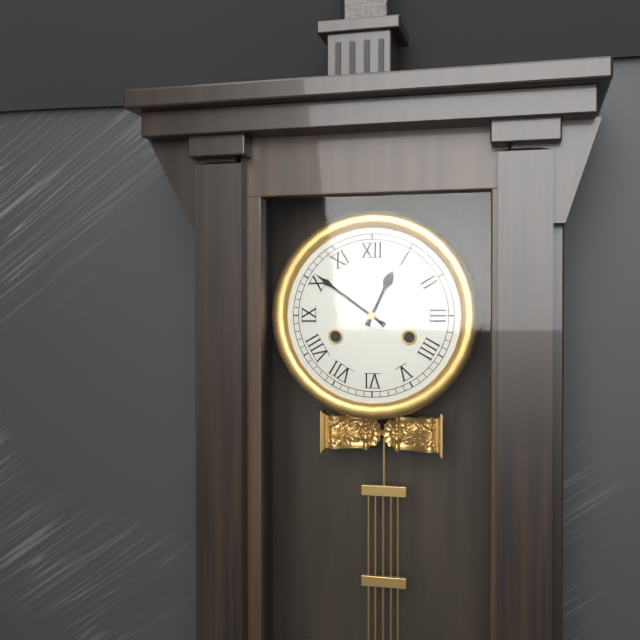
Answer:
12:51
